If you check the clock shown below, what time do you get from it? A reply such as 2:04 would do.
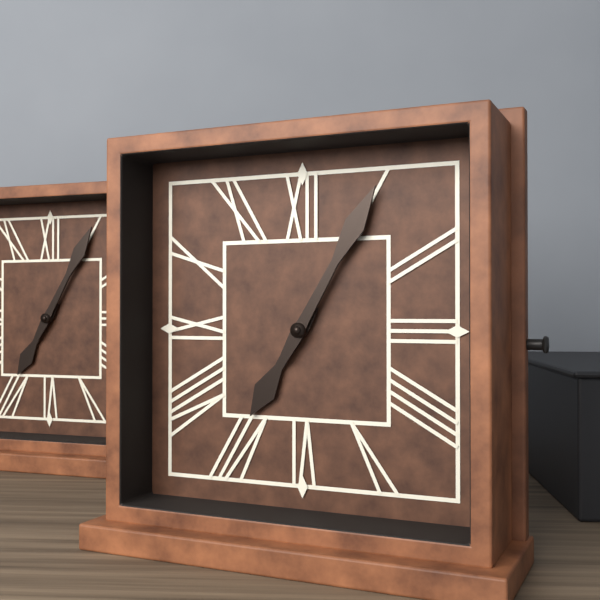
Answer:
7:05
